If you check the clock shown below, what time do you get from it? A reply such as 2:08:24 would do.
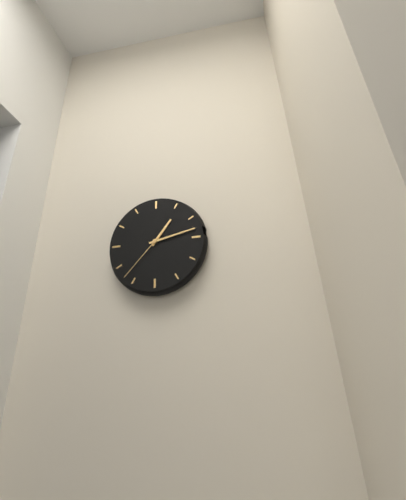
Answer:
1:13:37
